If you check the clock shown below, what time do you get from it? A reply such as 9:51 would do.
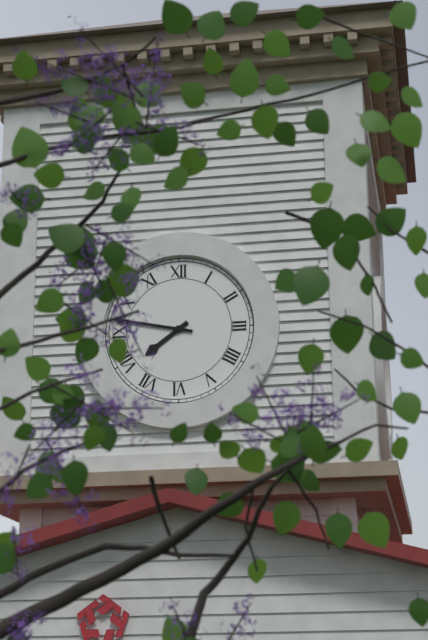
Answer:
7:47
